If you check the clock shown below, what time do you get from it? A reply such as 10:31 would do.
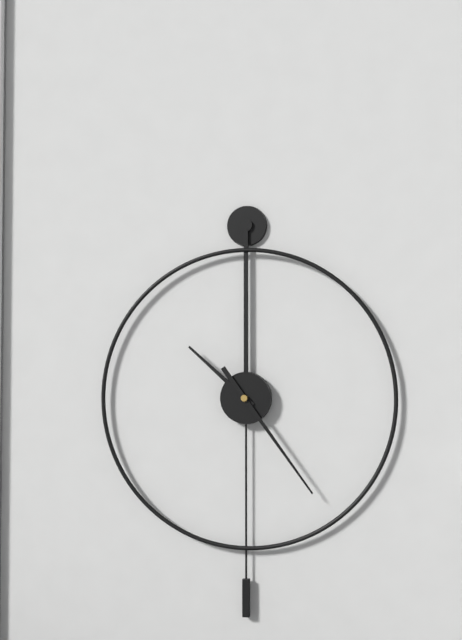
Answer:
10:24
